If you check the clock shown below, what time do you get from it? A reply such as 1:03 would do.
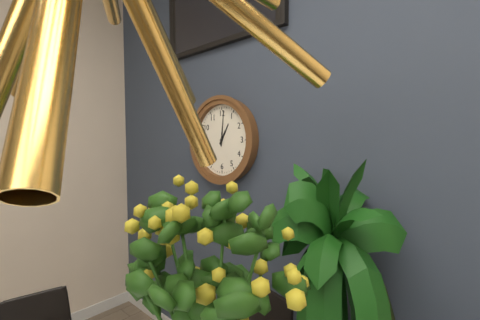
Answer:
1:01
